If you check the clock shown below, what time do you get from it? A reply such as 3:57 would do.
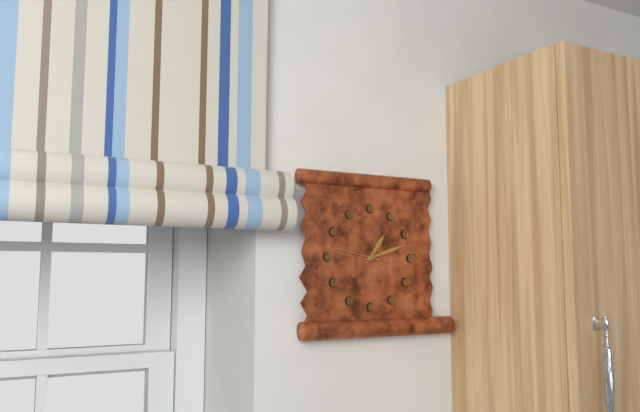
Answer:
1:12
